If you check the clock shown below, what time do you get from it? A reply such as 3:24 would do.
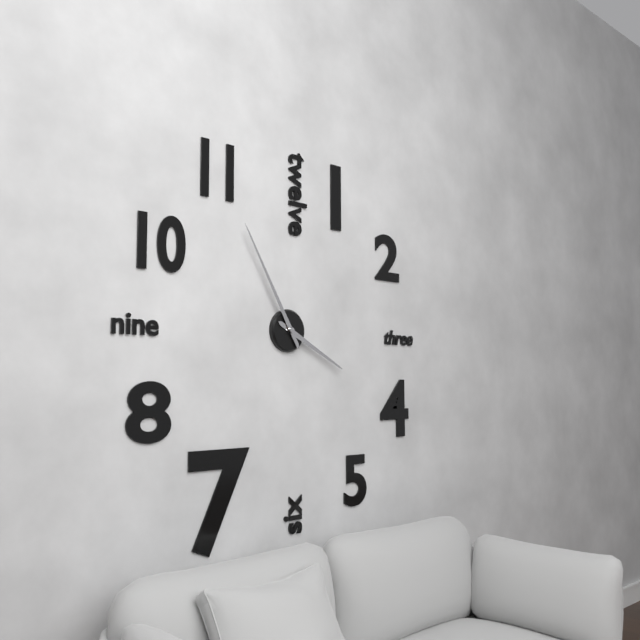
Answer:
3:55
